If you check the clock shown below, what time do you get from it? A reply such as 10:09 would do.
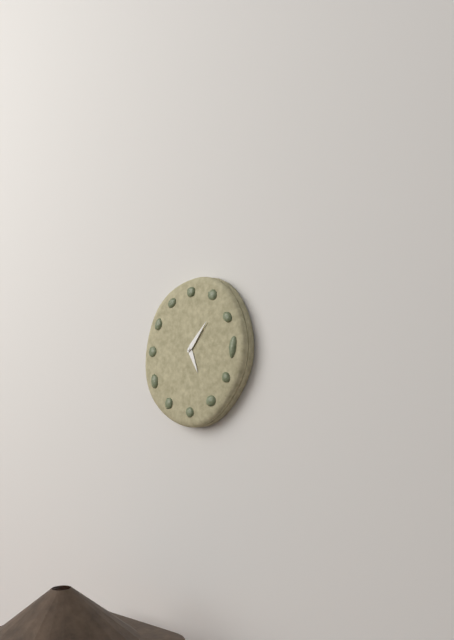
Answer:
5:07
